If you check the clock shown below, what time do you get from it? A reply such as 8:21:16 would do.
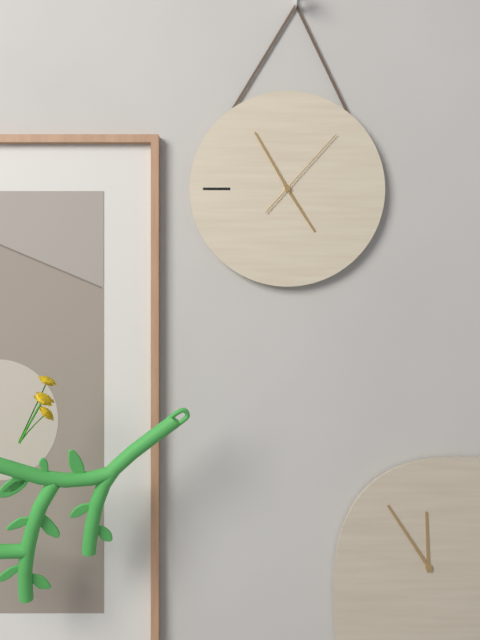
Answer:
4:55:07
